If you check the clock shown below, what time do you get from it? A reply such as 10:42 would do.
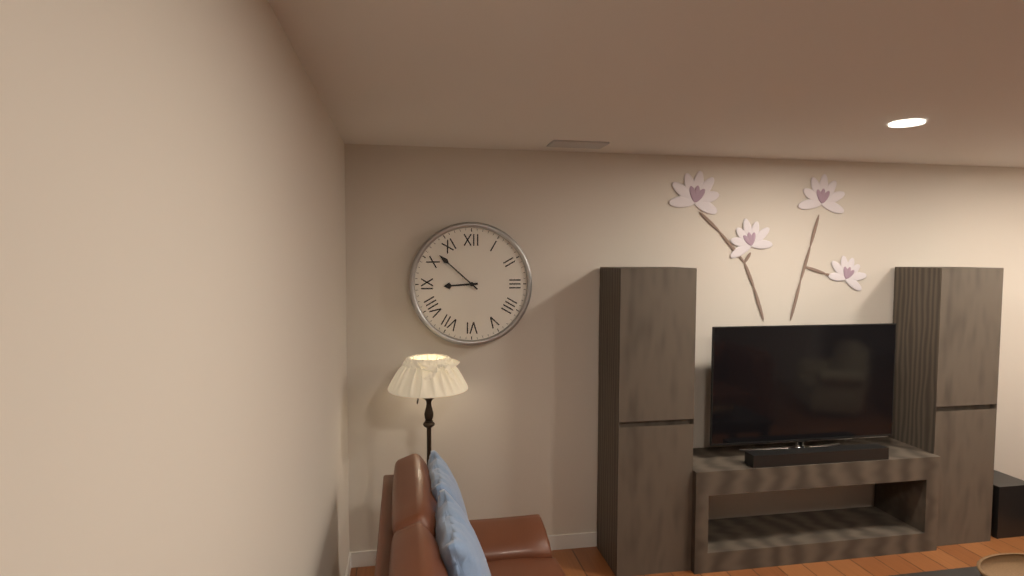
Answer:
8:52
